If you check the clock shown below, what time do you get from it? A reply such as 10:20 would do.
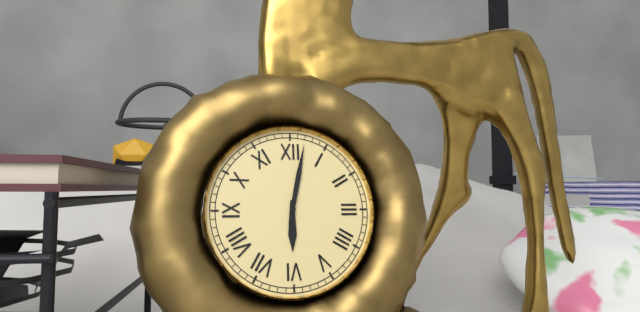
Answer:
6:02
